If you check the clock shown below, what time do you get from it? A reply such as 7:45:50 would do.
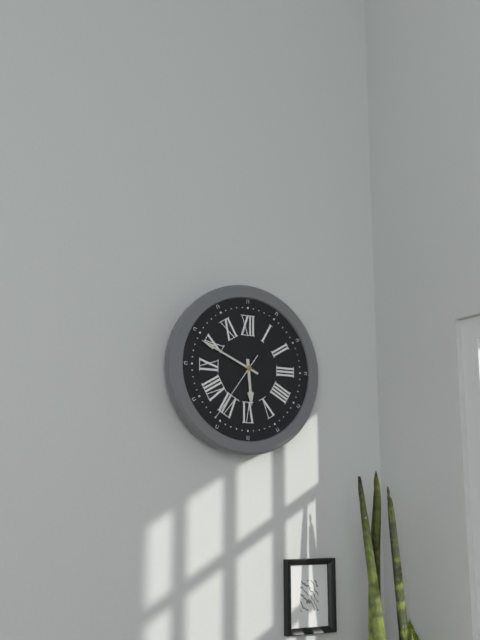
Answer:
5:49:36
